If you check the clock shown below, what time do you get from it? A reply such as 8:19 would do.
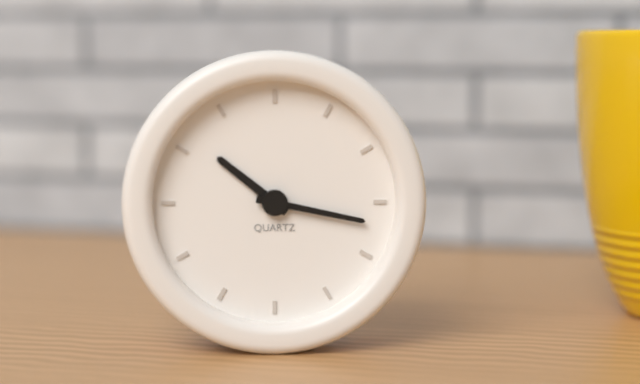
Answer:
10:17
